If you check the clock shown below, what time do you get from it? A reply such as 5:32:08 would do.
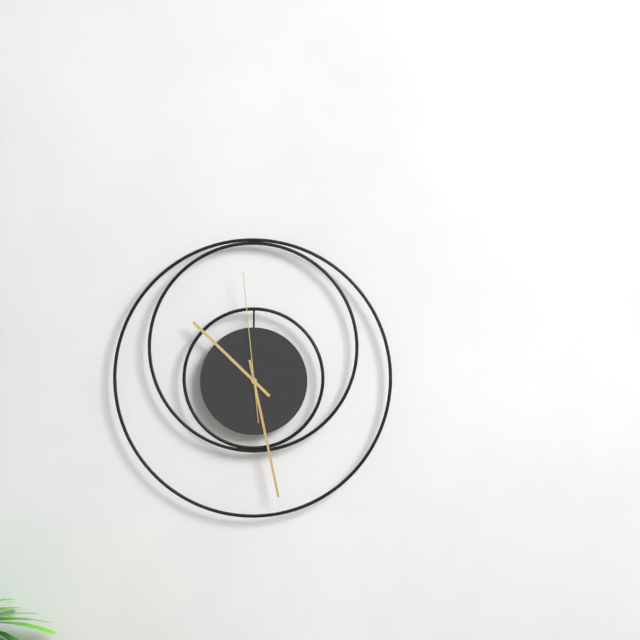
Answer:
10:28:59
